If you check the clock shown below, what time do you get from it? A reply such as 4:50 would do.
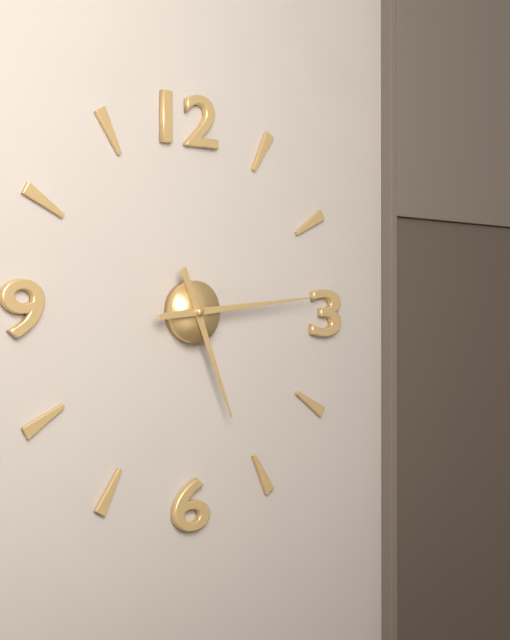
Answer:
5:14
